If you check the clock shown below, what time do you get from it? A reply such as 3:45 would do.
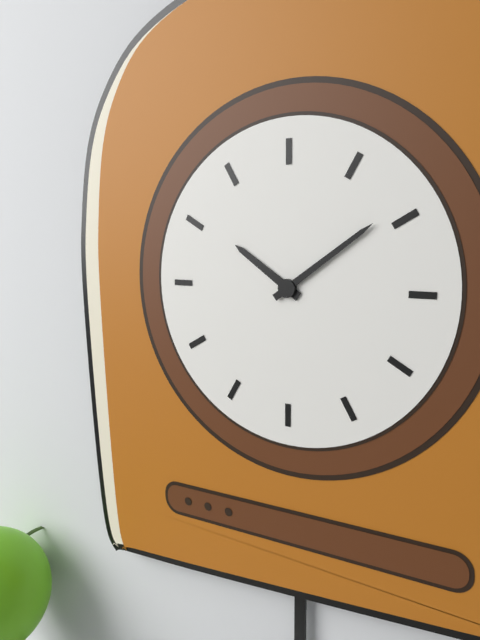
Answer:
10:09
